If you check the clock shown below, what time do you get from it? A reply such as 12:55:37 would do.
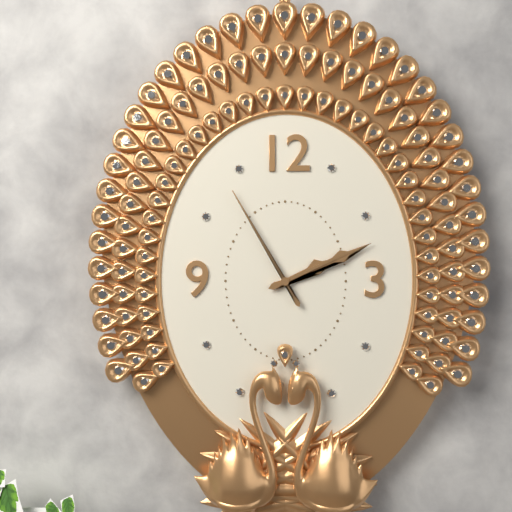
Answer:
2:11:55
